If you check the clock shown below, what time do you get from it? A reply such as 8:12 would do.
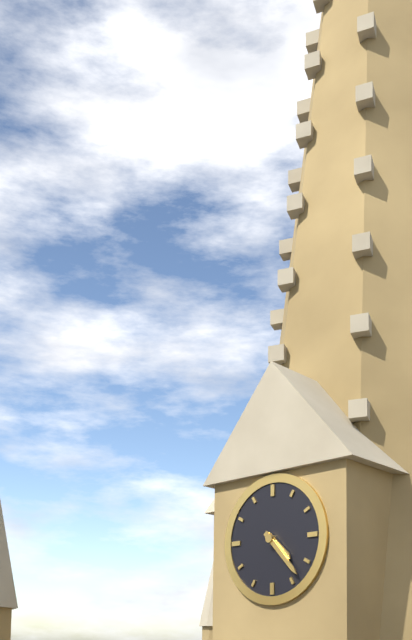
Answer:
4:23
